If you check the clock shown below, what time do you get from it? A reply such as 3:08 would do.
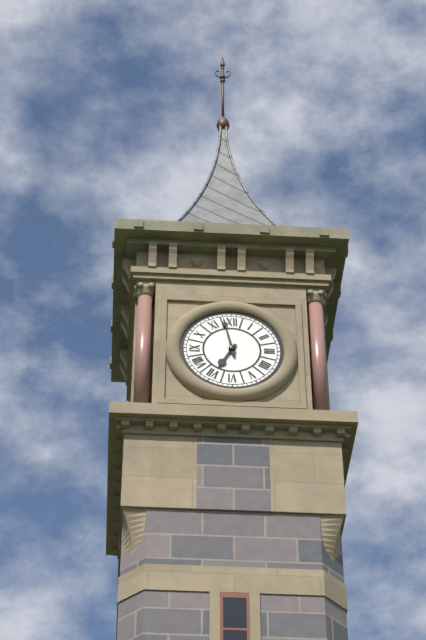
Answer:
6:58
